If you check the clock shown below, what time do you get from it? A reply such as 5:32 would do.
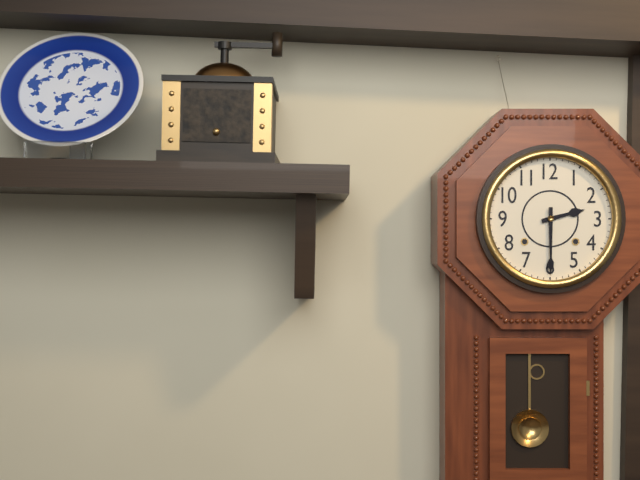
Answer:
2:30
